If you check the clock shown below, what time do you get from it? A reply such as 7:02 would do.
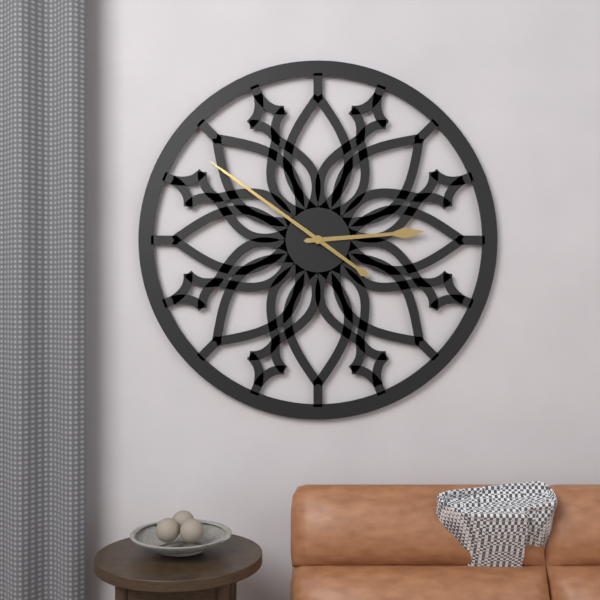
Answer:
2:51
